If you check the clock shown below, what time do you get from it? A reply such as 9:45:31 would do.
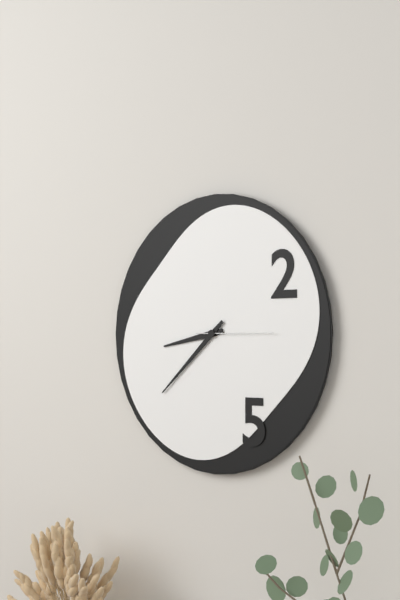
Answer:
8:38:15
